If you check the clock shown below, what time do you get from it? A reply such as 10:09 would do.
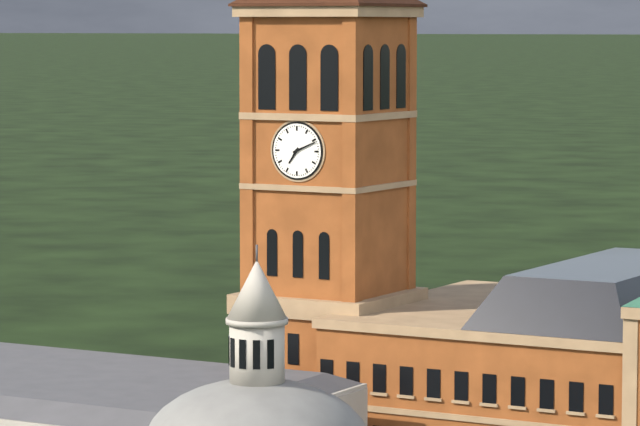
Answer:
7:11
